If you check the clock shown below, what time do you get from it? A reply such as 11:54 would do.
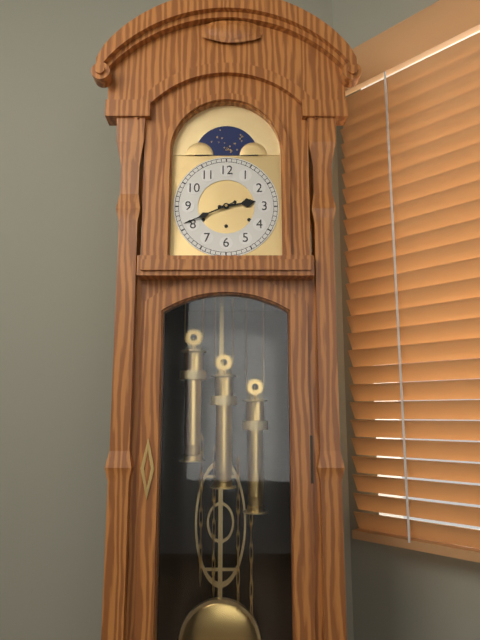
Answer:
2:41
